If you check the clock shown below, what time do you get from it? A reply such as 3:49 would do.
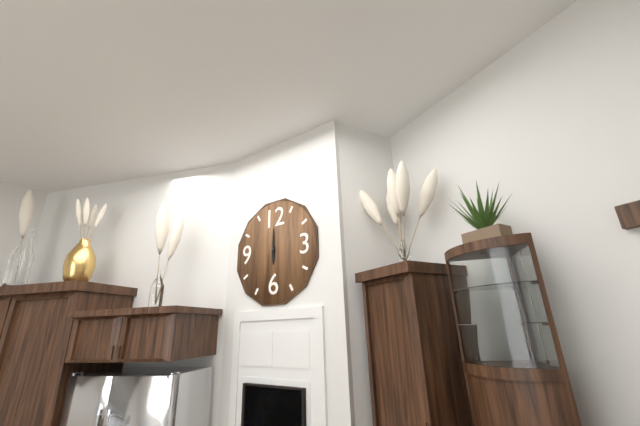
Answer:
6:00
